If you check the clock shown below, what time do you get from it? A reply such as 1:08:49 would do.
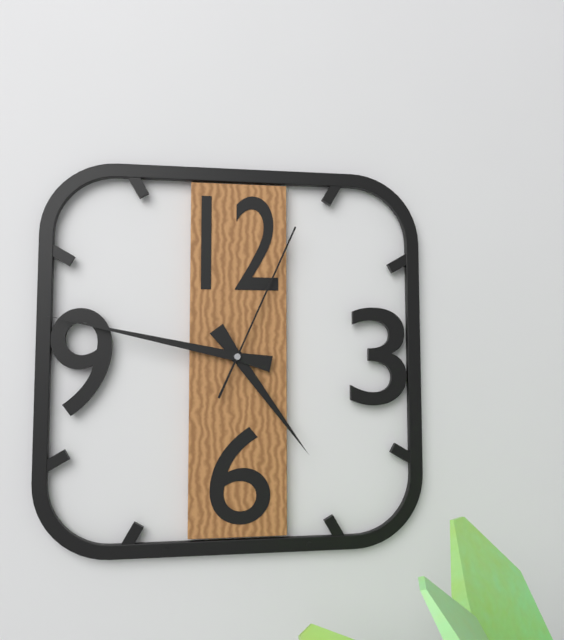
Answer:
4:47:04
